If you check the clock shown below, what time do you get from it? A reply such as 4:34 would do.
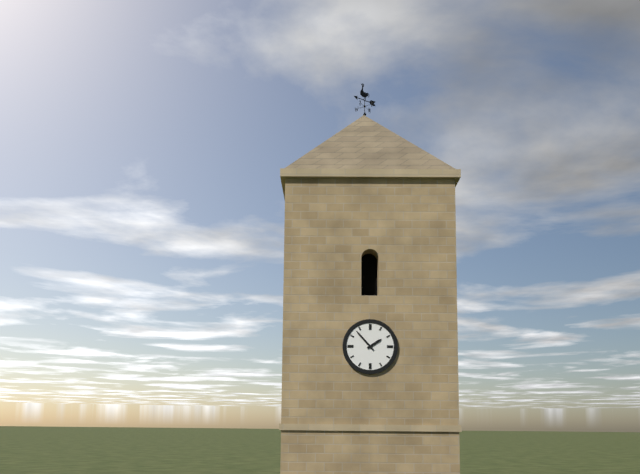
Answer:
1:53
